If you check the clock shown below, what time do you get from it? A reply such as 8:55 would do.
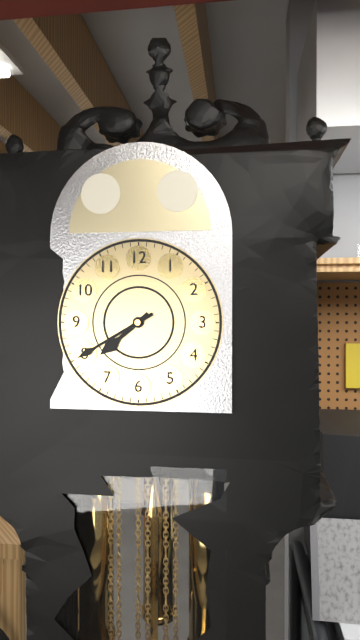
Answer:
7:40
